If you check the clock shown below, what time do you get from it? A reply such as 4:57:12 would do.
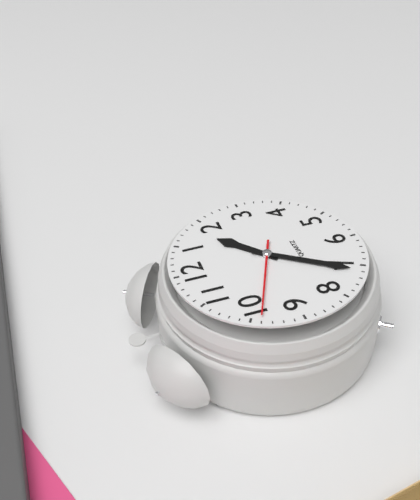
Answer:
1:36:49
